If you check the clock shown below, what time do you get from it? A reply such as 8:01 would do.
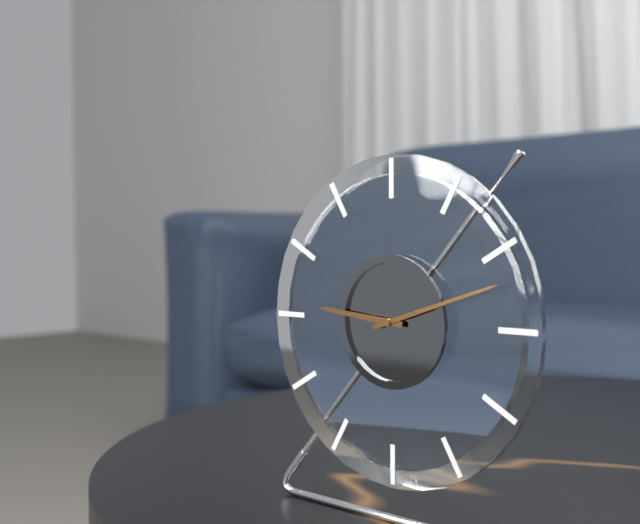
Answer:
9:12
